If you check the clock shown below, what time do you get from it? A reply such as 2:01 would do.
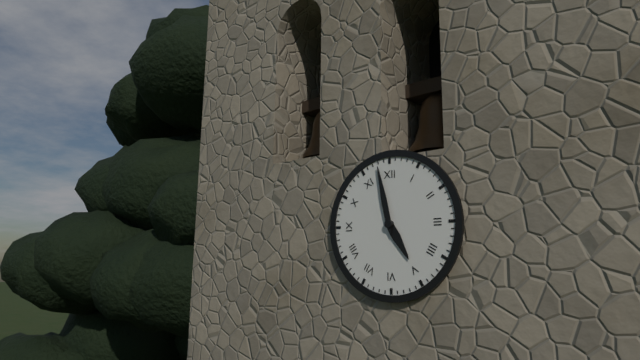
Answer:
4:58
